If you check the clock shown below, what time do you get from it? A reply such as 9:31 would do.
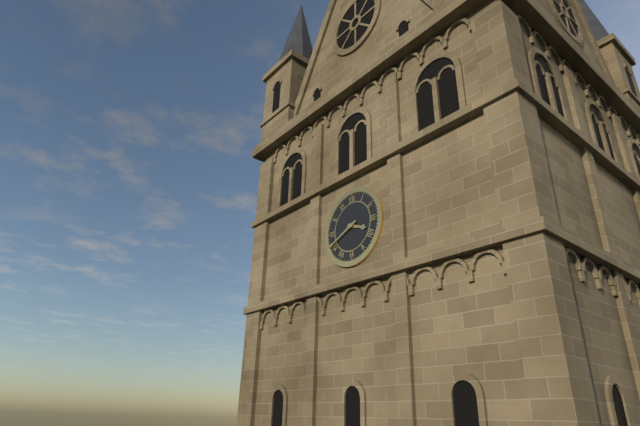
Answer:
3:41
